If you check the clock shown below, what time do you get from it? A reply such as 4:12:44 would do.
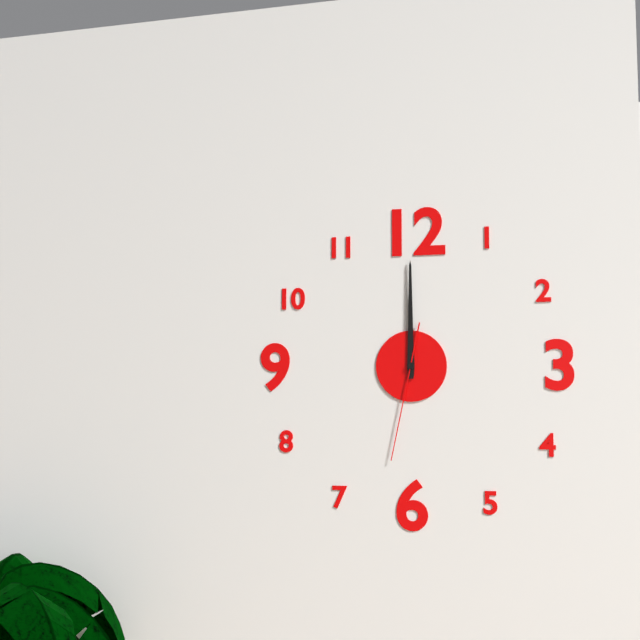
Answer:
12:00:32
